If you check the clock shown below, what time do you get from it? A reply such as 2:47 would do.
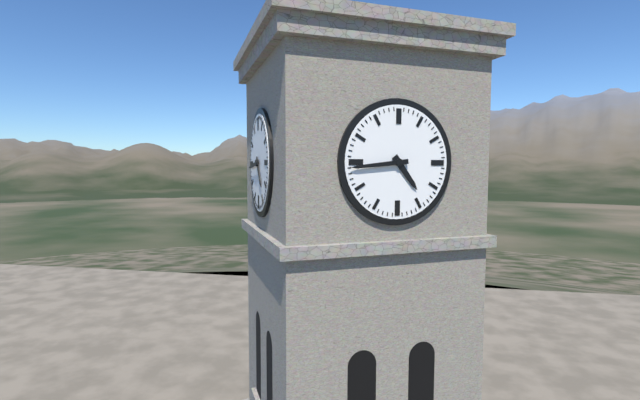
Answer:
4:44
